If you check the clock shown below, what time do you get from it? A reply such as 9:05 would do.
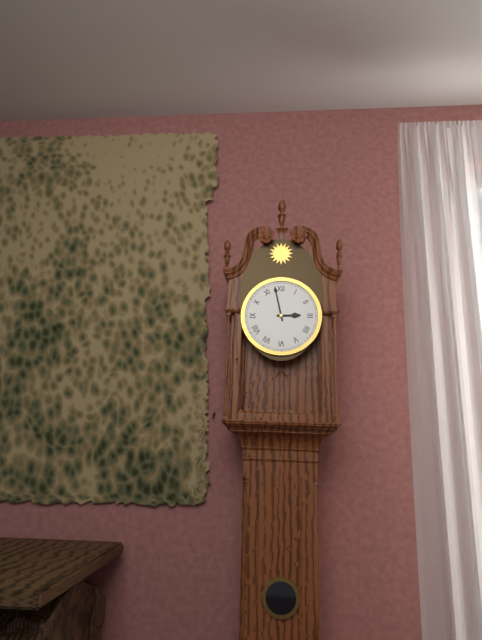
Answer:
2:58
